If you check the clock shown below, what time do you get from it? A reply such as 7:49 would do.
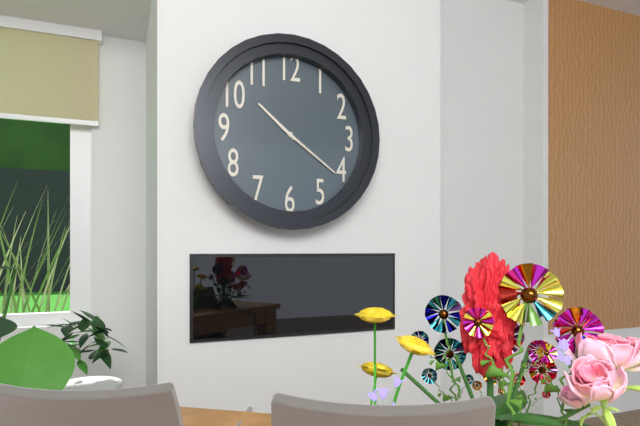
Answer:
10:21
